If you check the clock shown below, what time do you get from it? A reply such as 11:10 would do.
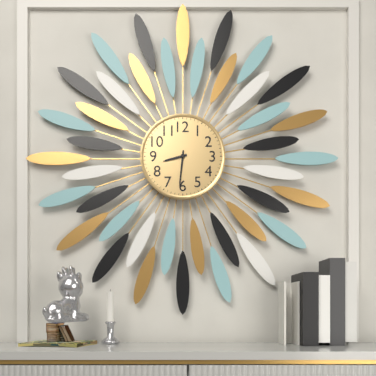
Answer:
8:31
